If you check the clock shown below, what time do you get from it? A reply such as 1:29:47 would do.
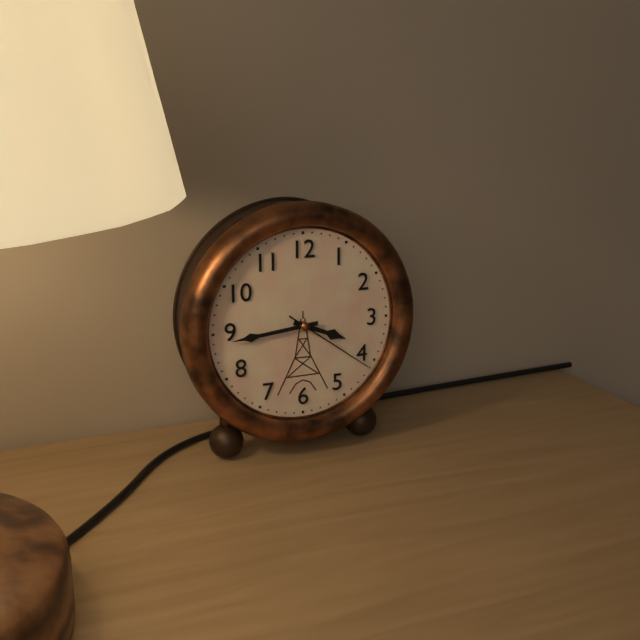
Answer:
3:44:21
